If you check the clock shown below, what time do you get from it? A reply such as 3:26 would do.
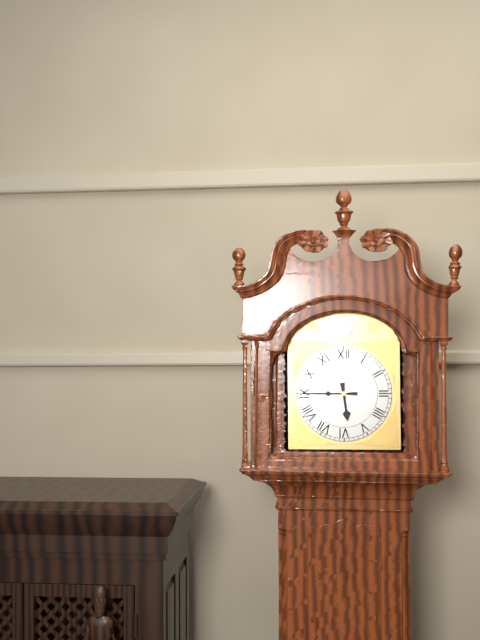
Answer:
5:45
